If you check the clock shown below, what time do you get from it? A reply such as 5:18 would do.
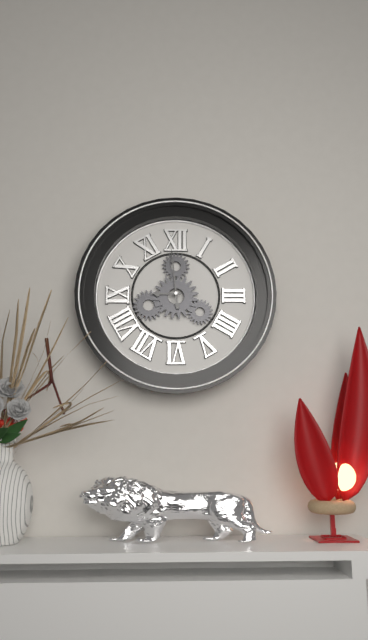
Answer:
8:59
